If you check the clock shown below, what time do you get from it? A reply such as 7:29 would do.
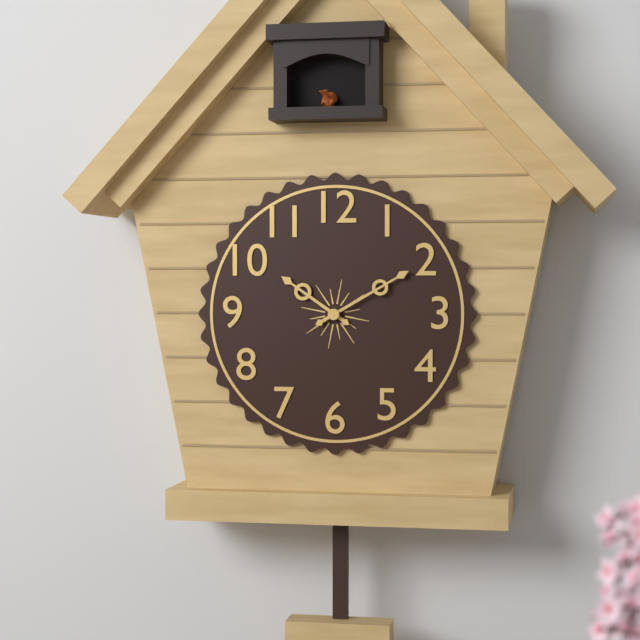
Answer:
10:10
